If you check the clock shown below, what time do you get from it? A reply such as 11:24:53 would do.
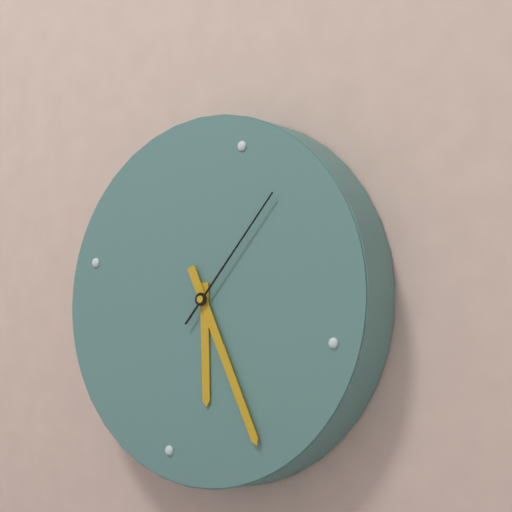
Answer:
5:23:04
